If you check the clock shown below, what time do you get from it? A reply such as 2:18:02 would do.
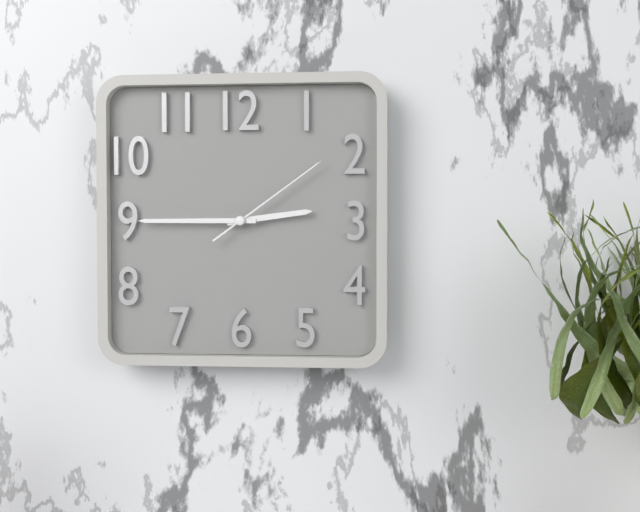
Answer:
2:45:09
